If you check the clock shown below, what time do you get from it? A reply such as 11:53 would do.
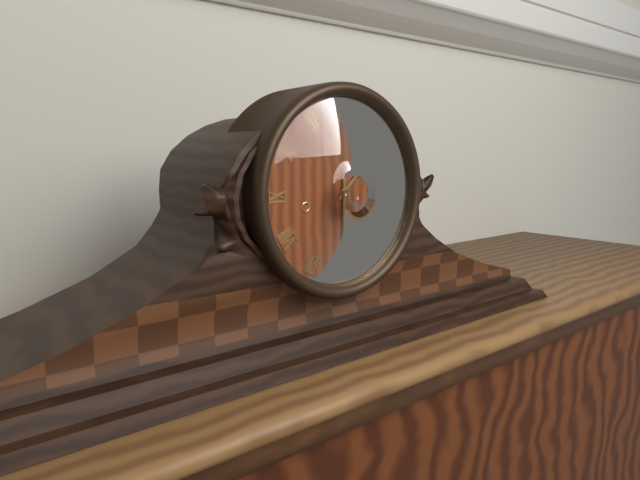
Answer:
1:30
